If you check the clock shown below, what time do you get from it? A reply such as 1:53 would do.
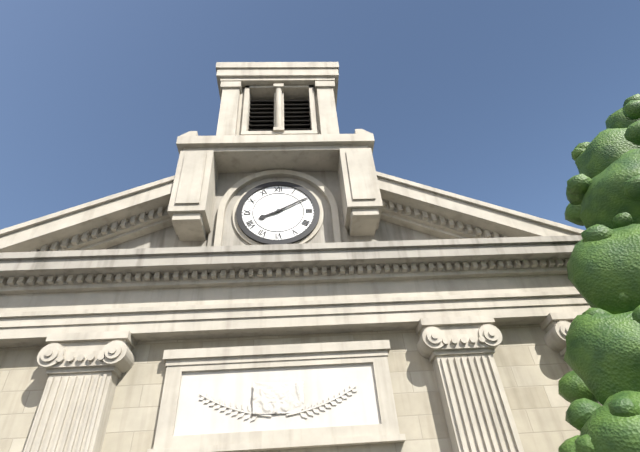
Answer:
8:10
